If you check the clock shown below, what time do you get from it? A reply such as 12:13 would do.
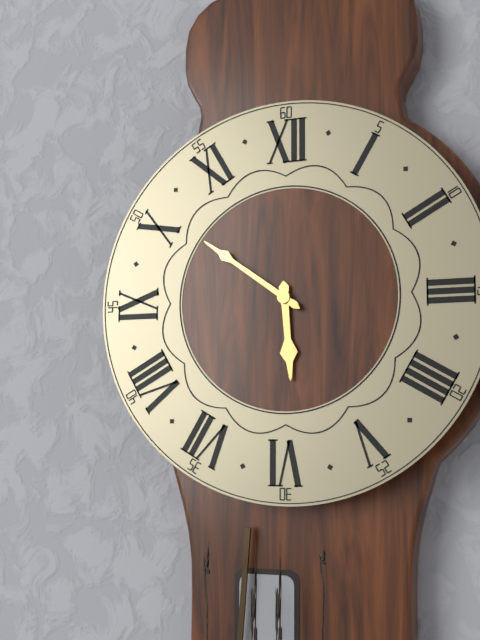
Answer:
5:51
